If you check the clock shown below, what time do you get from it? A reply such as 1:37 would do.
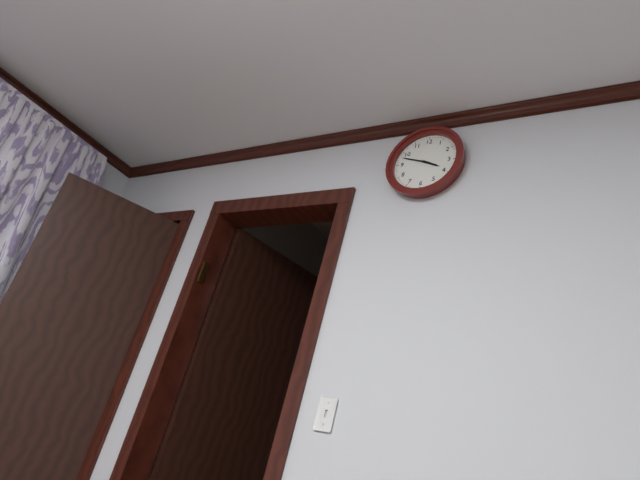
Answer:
3:48
